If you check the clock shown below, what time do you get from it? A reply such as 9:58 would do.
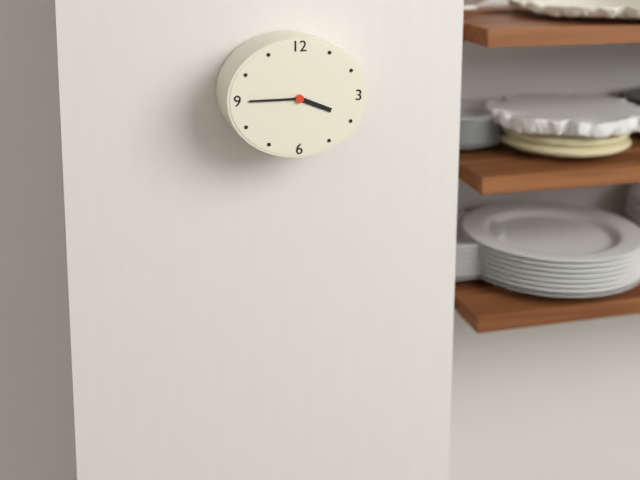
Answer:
3:45
